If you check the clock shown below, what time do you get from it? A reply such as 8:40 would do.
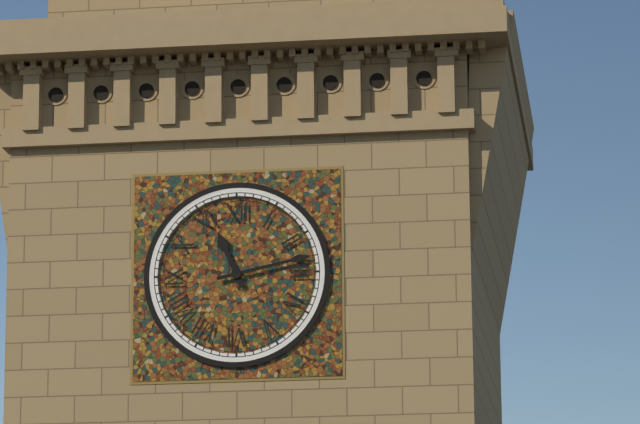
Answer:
11:13
